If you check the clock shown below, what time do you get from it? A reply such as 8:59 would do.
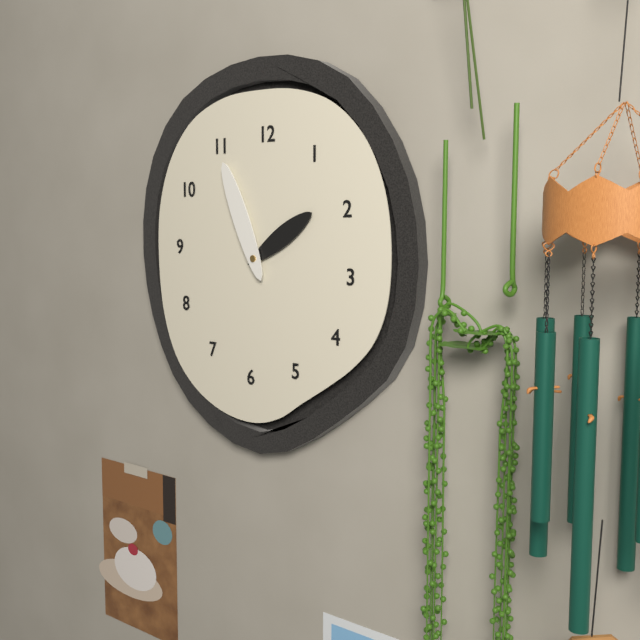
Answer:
1:56
